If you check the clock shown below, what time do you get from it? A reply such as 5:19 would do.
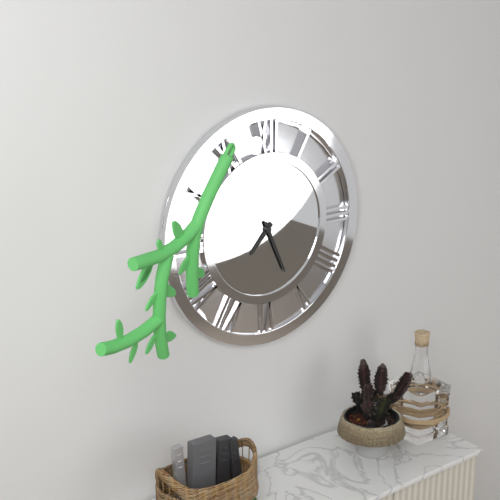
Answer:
7:26
